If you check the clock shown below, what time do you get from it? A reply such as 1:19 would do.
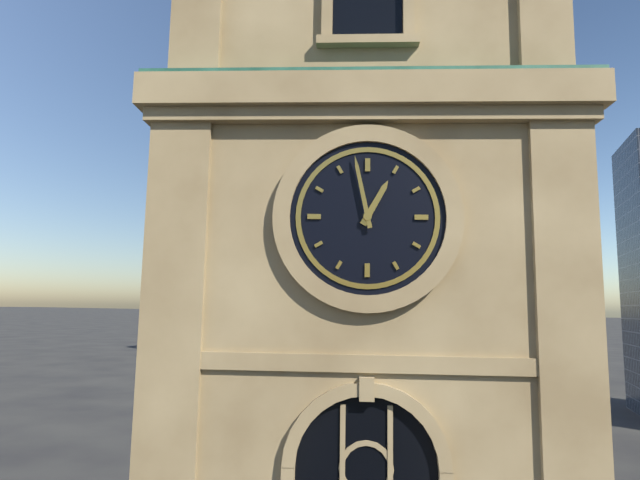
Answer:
12:58
